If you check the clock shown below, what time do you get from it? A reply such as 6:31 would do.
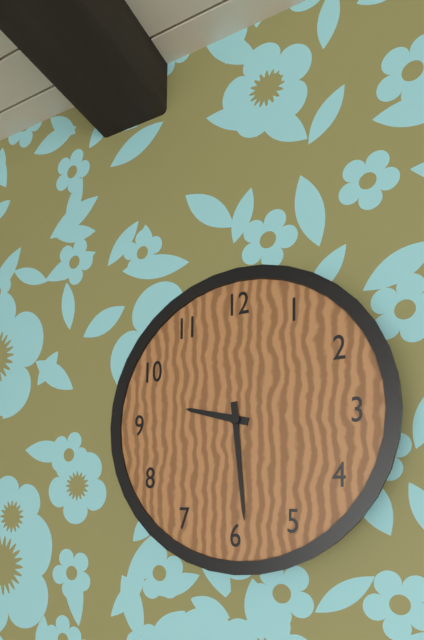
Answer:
9:29
